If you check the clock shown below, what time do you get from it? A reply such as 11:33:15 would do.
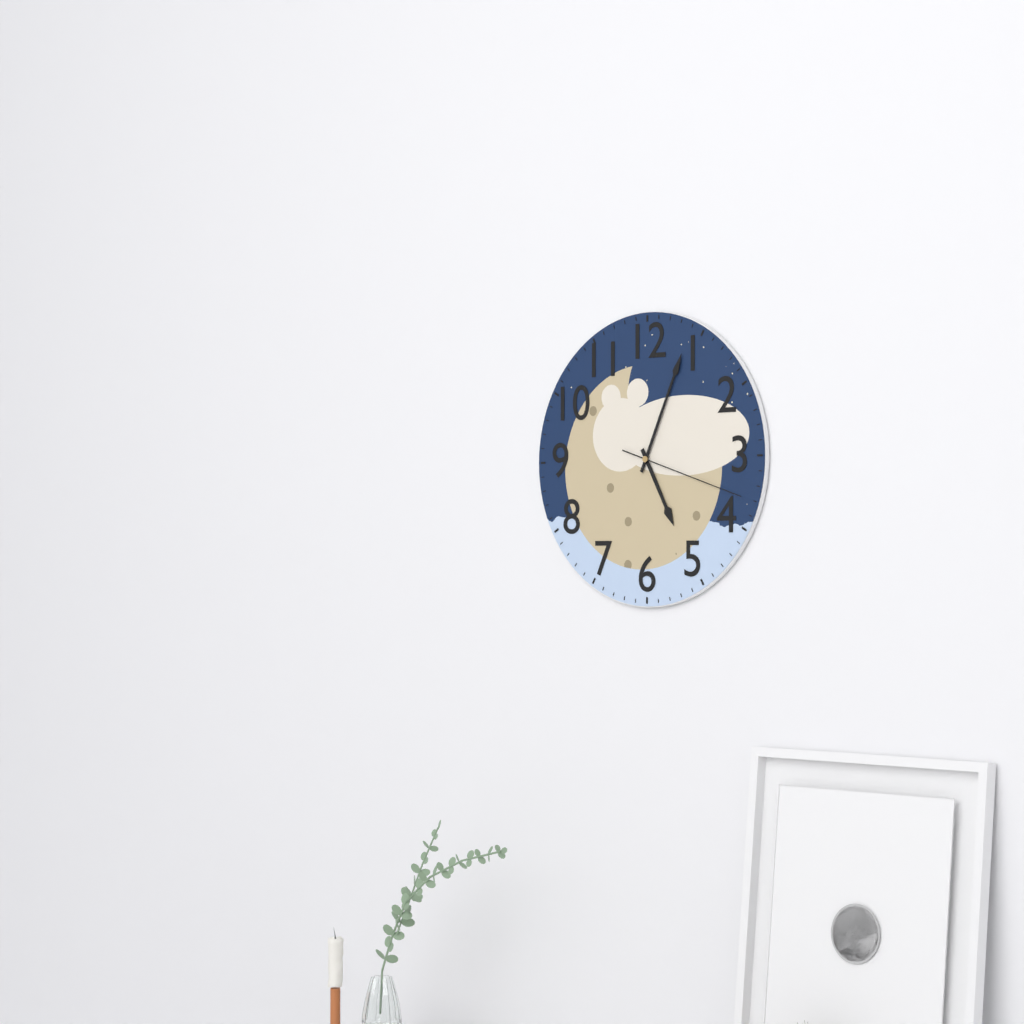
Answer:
5:04:18
